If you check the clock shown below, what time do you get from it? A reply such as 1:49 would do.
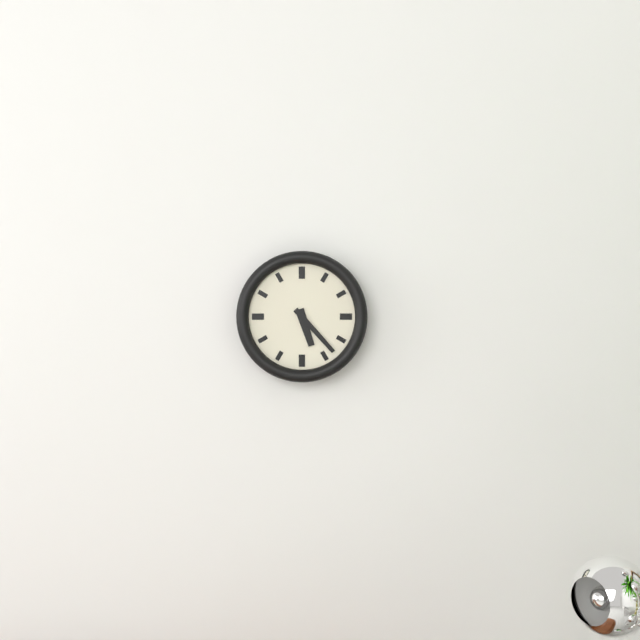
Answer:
5:23
